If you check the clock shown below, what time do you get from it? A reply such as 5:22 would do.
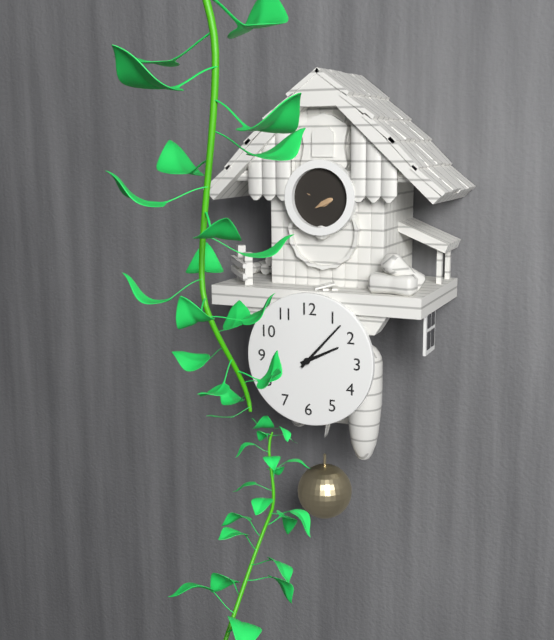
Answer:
2:07
